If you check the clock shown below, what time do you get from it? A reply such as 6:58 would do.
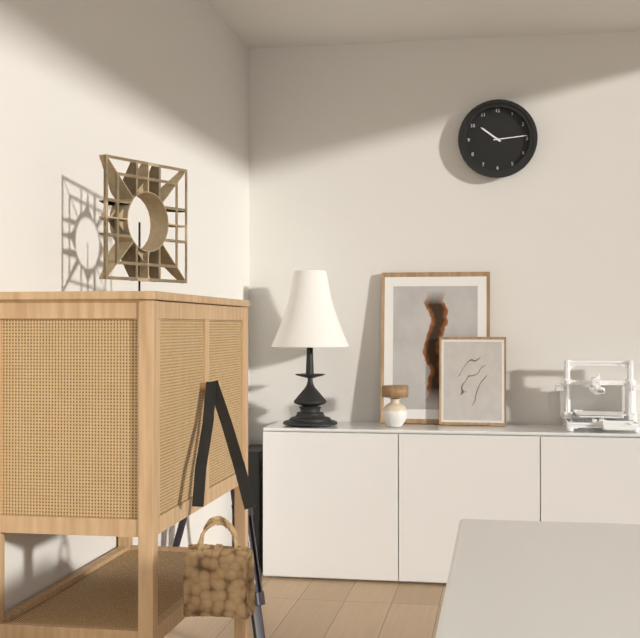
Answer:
10:14
